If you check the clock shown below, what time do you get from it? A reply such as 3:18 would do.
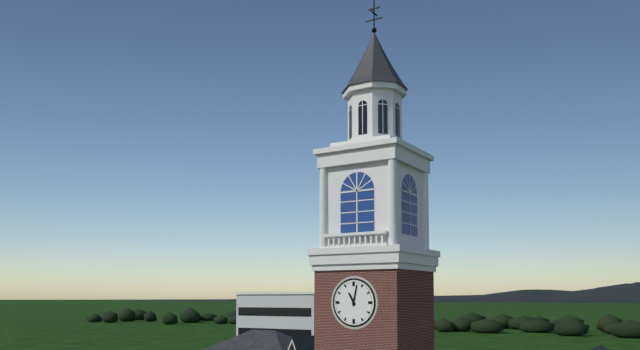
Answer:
11:02
